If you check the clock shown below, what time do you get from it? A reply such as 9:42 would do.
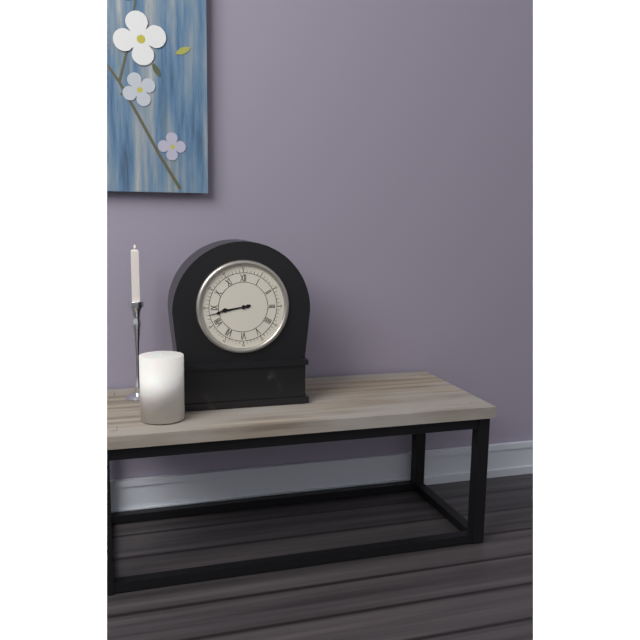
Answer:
8:43
